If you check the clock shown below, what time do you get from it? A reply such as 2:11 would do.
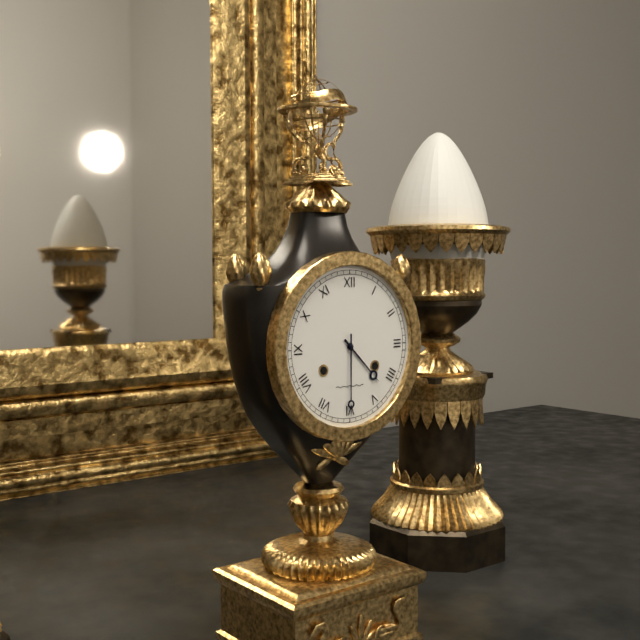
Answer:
4:30
